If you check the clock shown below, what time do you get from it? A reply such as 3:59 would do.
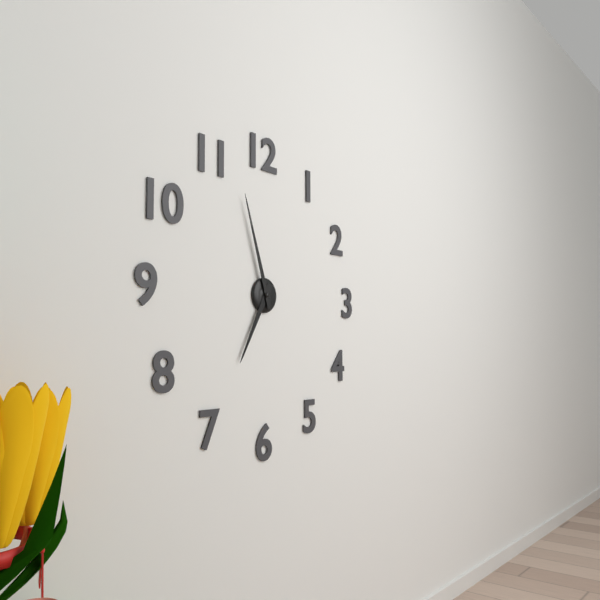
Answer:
6:57
